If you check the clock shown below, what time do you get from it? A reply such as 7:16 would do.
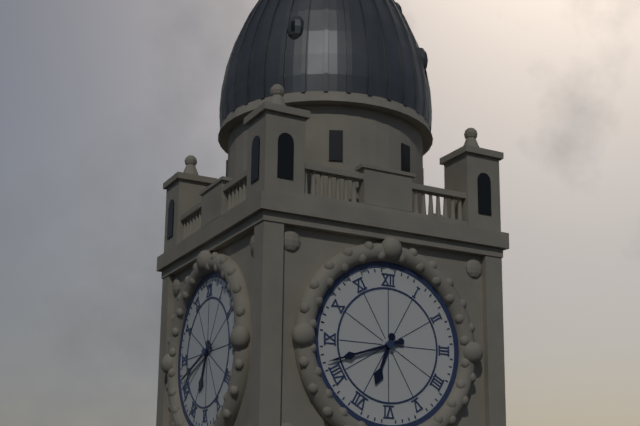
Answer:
6:42
